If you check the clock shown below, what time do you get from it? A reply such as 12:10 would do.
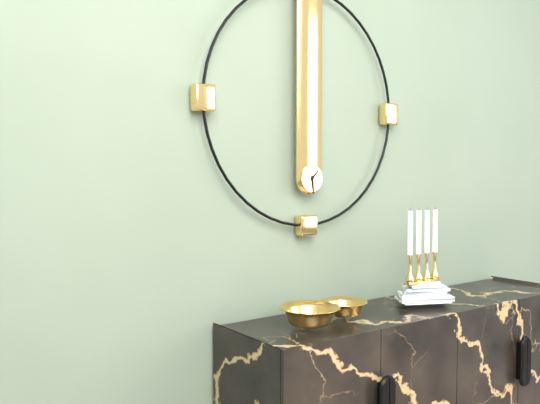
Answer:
1:29
